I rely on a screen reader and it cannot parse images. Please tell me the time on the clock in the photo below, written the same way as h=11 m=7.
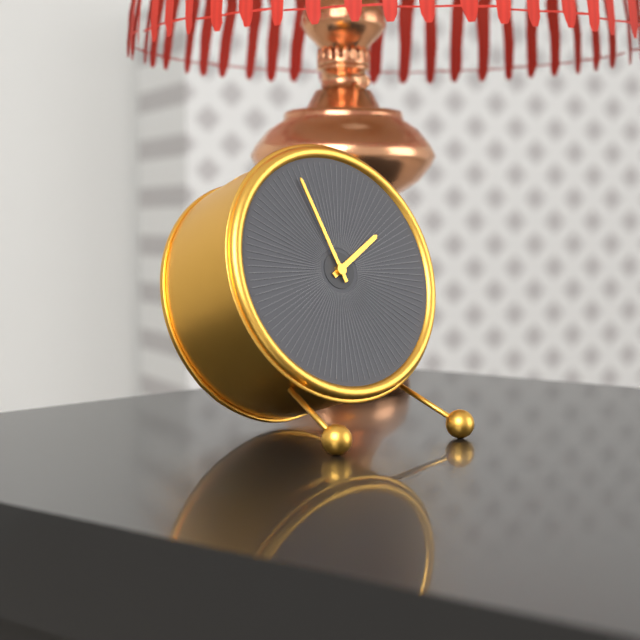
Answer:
h=1 m=57
